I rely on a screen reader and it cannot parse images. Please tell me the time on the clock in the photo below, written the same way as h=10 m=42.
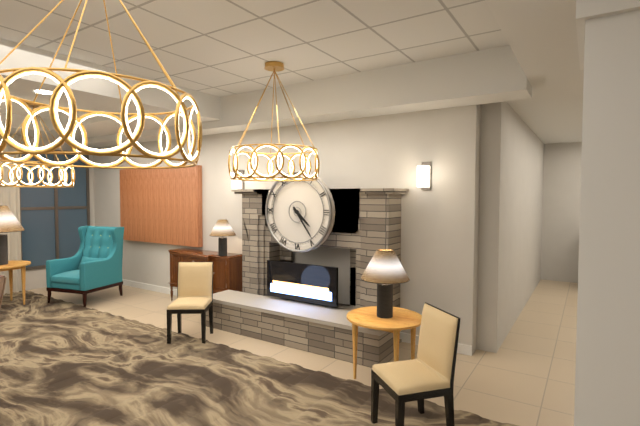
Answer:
h=4 m=24
